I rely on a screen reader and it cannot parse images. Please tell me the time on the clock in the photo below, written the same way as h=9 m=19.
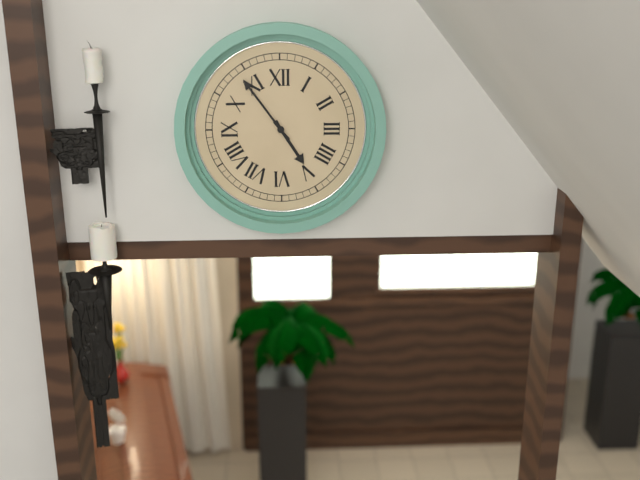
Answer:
h=4 m=54
